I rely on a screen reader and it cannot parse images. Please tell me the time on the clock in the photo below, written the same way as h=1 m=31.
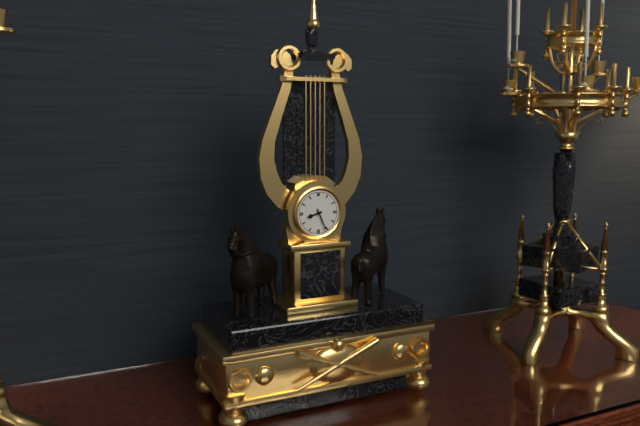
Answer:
h=8 m=26
